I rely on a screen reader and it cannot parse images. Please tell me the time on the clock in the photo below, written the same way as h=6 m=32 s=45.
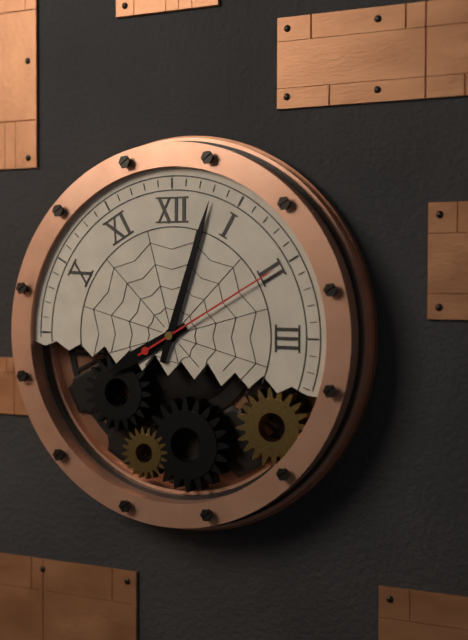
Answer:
h=8 m=3 s=10
